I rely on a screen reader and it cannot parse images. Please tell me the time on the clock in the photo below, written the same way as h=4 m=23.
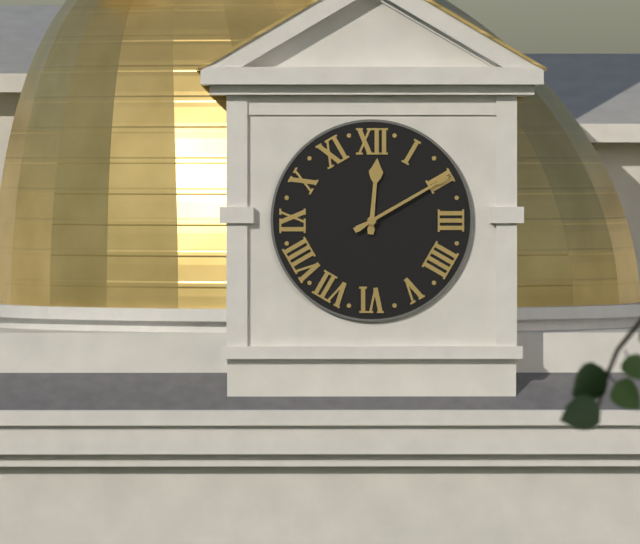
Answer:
h=12 m=10
